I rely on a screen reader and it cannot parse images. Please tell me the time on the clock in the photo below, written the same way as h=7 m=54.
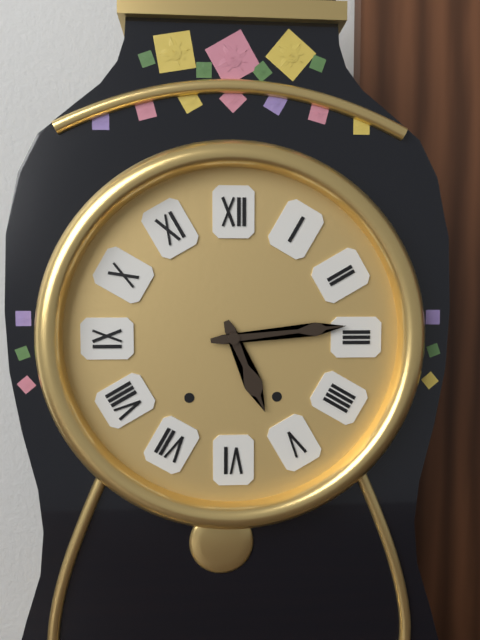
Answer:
h=5 m=14
